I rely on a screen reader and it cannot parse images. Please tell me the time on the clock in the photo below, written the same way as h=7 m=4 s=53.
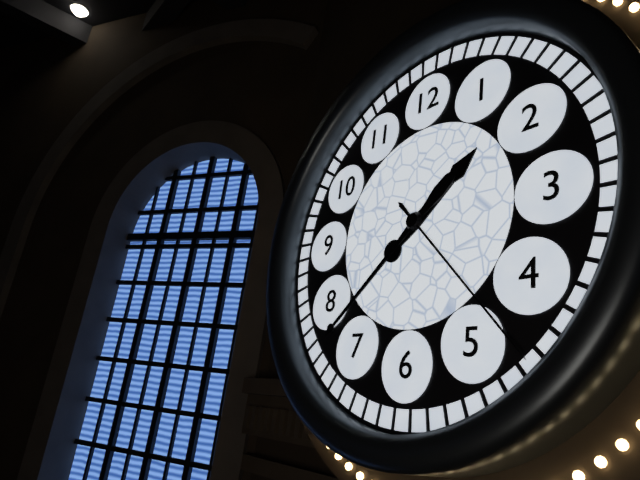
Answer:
h=1 m=38 s=23
